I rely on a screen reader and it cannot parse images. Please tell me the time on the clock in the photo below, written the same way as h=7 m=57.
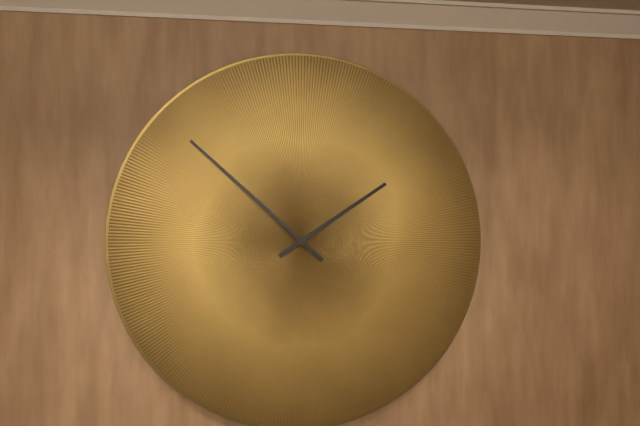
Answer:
h=1 m=52
